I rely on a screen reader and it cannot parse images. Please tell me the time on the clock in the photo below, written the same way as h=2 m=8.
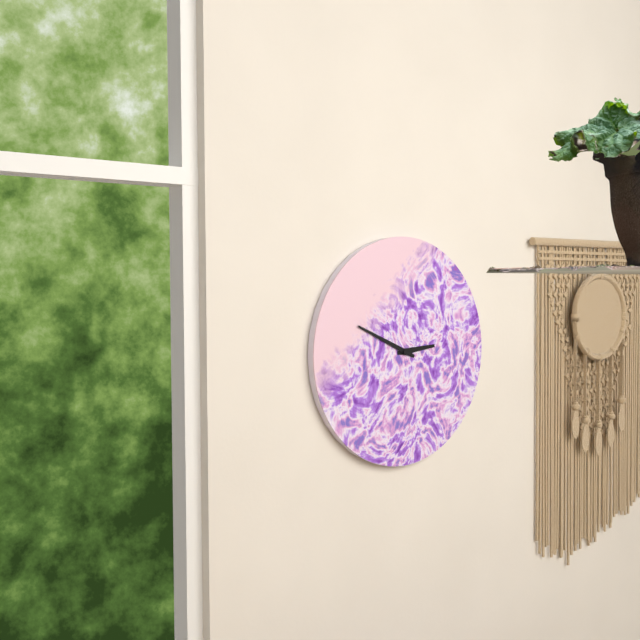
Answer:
h=2 m=49
